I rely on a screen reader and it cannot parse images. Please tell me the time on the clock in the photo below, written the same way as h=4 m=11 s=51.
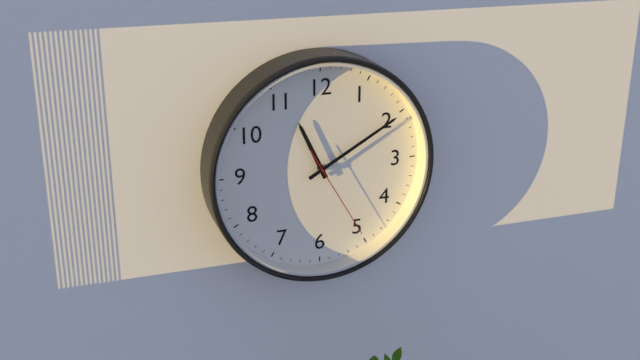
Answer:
h=11 m=10 s=25
